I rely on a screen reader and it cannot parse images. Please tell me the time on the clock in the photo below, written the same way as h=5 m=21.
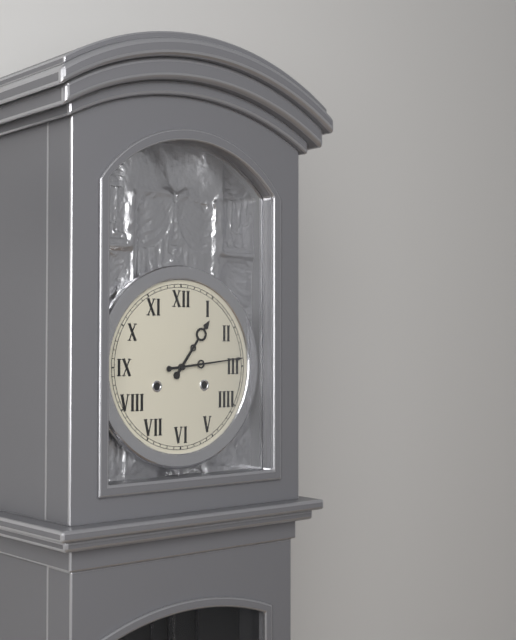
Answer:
h=1 m=14
